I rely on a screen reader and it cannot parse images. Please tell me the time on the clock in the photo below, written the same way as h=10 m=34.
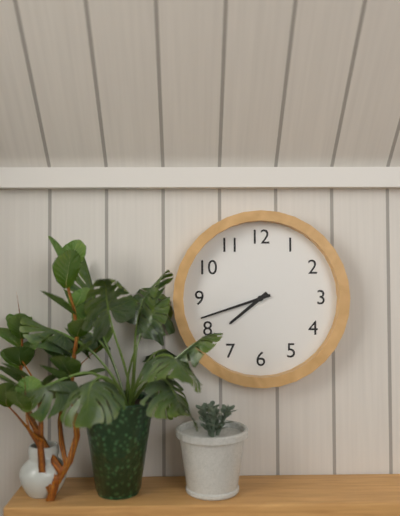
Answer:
h=7 m=42
